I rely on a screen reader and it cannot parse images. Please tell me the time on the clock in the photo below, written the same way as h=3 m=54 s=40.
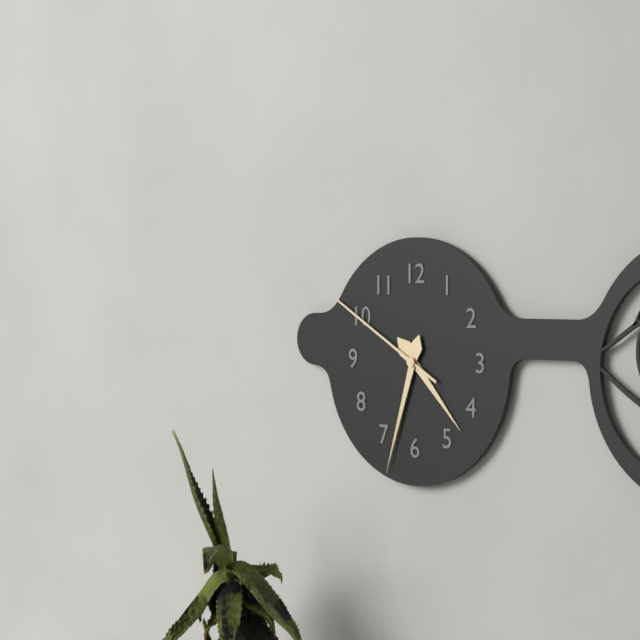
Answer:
h=4 m=33 s=50
